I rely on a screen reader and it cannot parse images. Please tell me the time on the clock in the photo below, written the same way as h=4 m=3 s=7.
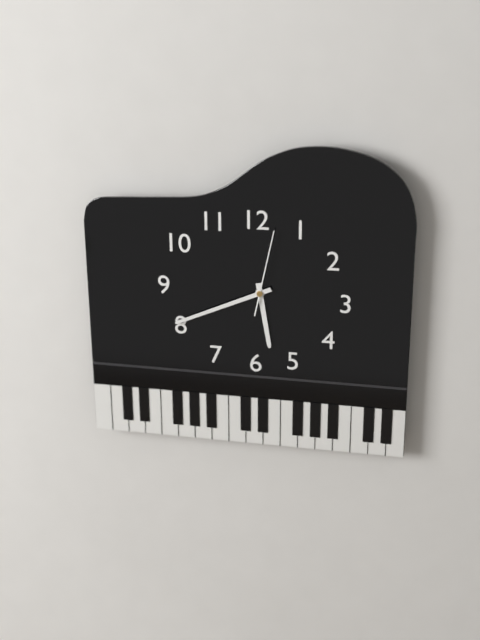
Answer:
h=5 m=41 s=2
